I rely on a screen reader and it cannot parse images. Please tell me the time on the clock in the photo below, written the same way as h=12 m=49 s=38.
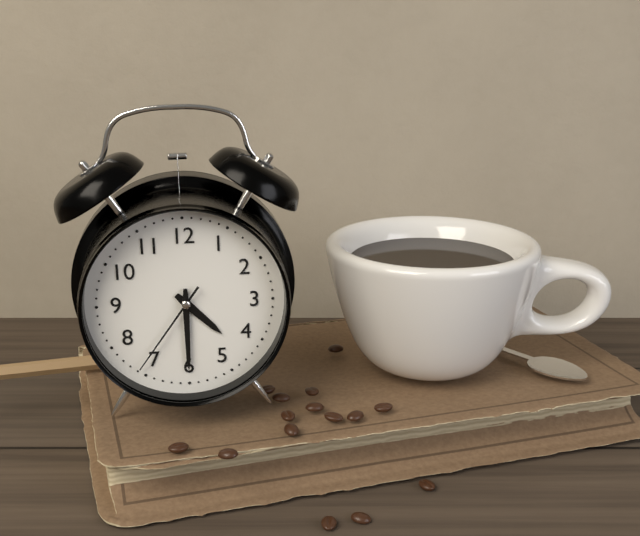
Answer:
h=4 m=30 s=36
